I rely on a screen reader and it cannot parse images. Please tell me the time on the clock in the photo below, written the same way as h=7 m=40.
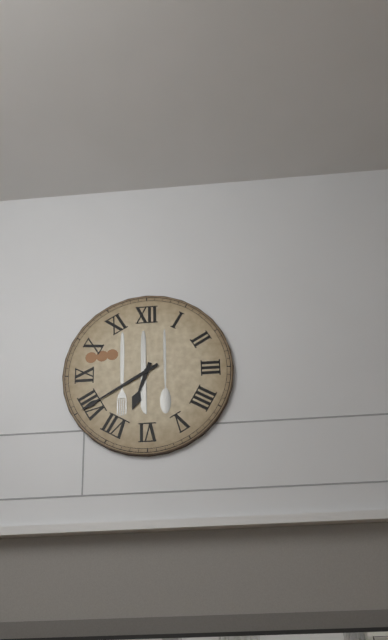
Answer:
h=6 m=40
